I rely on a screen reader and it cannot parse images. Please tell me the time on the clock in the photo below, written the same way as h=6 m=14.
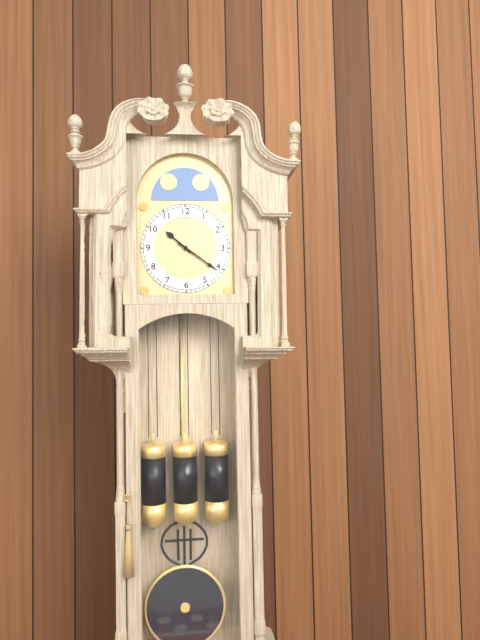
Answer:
h=10 m=21
